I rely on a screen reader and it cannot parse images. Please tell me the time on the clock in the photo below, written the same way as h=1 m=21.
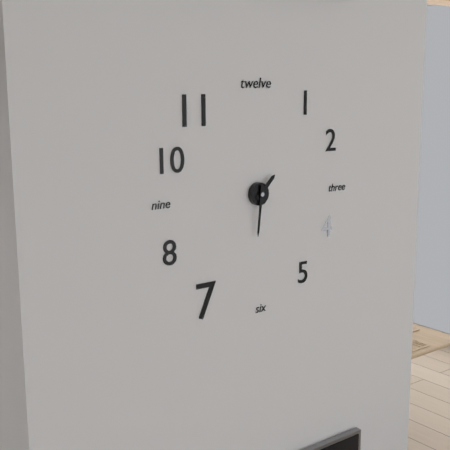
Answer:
h=1 m=31
